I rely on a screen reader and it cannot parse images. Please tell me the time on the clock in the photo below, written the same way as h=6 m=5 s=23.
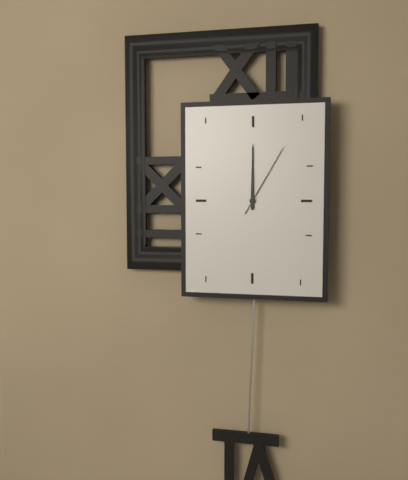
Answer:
h=12 m=0 s=5
